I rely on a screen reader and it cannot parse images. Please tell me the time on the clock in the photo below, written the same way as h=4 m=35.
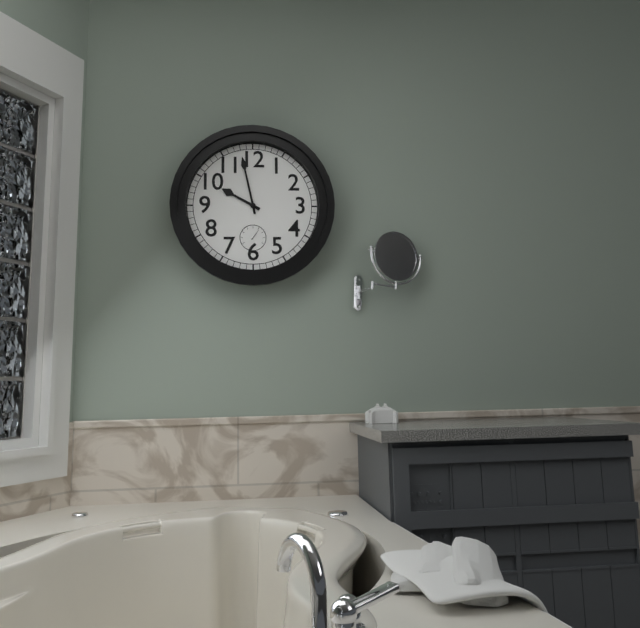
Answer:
h=9 m=58
